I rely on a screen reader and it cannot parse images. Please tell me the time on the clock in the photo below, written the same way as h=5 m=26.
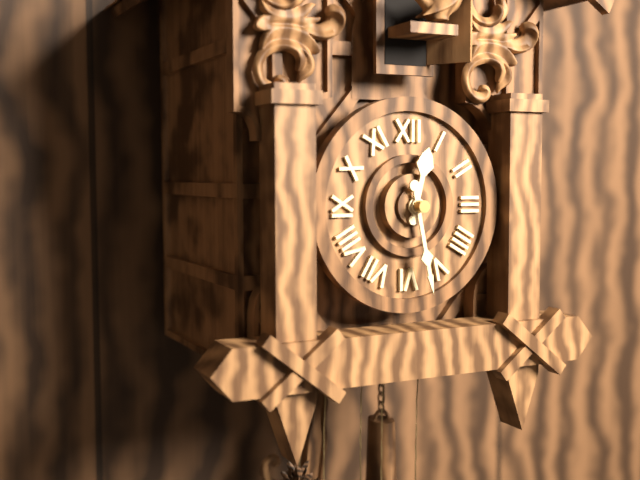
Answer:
h=12 m=28
